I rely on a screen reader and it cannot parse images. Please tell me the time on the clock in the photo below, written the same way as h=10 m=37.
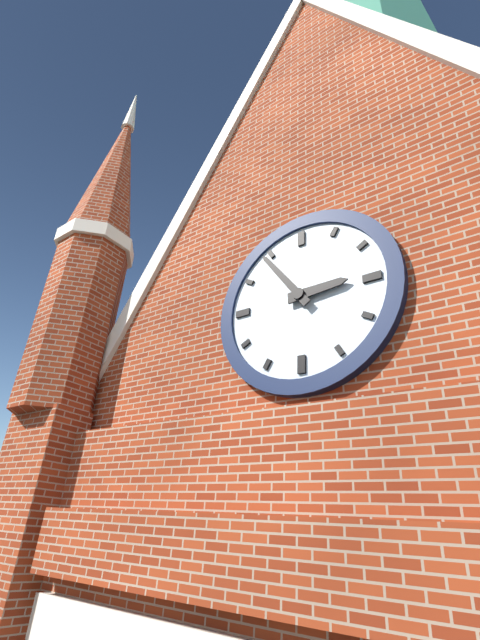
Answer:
h=2 m=54
